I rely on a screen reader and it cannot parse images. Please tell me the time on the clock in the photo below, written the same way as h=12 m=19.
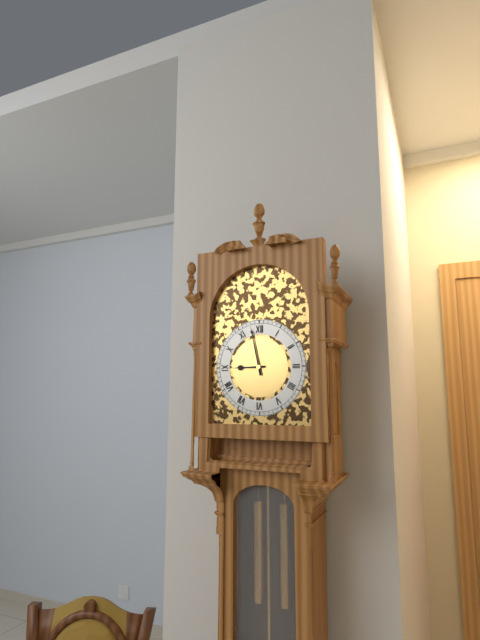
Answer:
h=8 m=58
